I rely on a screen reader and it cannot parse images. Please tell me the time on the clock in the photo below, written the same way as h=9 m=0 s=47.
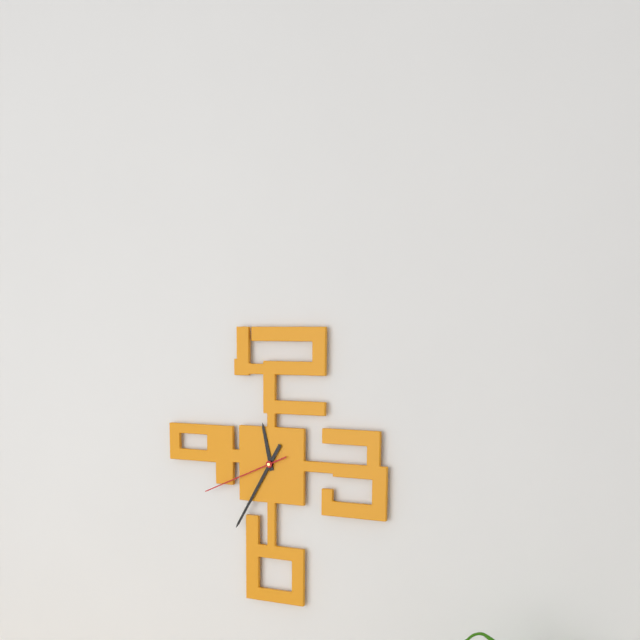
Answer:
h=11 m=35 s=41
